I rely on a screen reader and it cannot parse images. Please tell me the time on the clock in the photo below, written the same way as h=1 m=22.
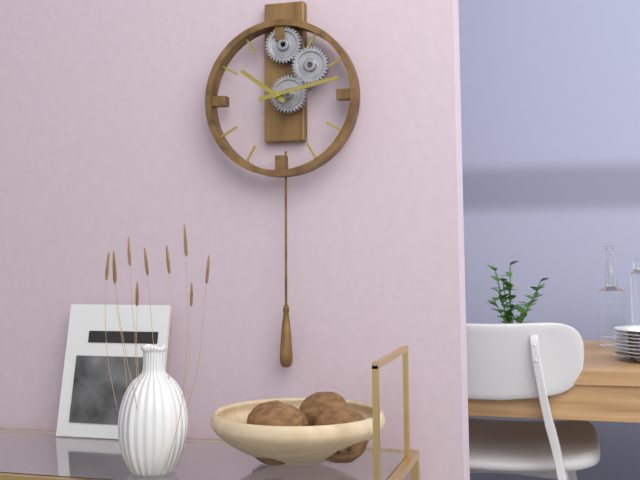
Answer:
h=10 m=13
